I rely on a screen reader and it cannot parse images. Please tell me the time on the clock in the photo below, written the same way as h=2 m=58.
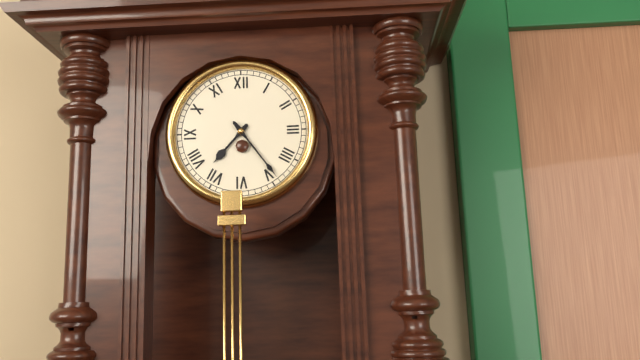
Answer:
h=7 m=24
